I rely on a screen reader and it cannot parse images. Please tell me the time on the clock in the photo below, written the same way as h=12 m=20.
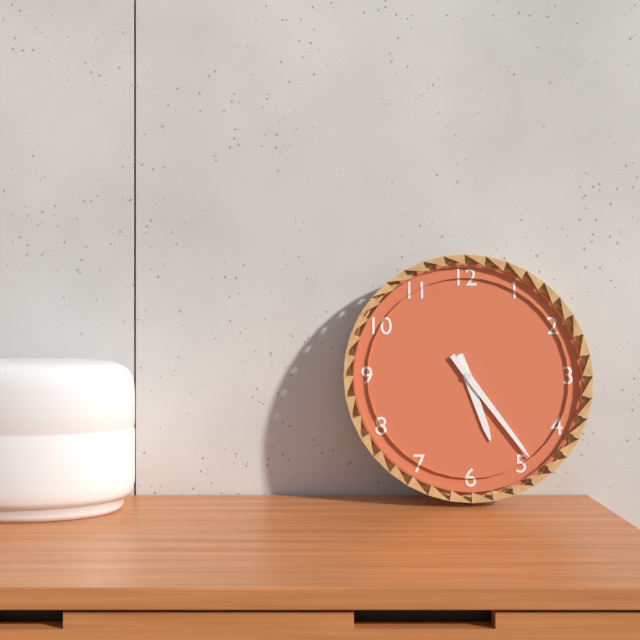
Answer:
h=5 m=24
